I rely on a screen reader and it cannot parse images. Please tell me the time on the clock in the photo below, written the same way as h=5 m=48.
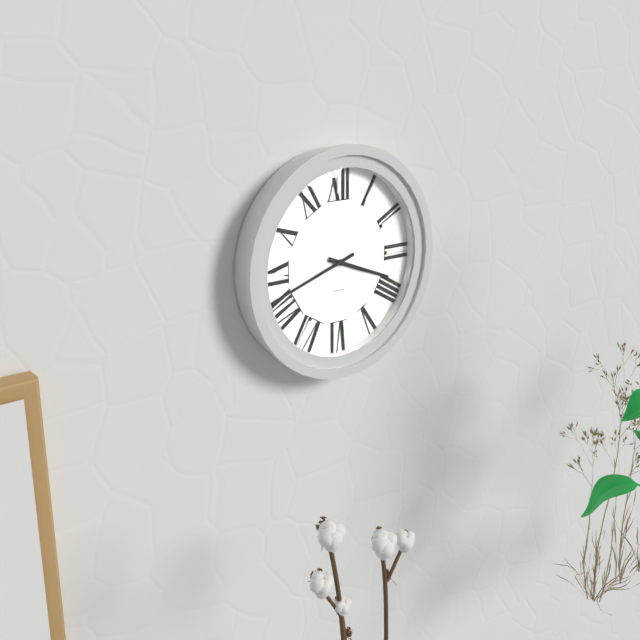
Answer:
h=3 m=42
